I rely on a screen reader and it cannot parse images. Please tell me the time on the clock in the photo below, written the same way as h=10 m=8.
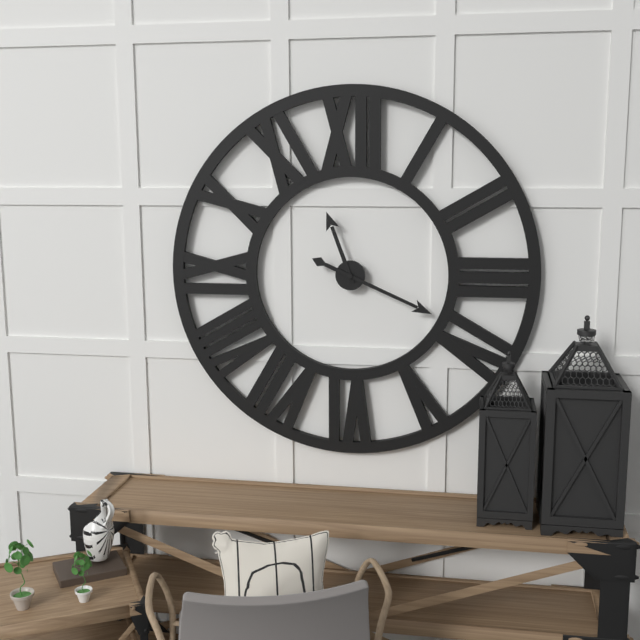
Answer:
h=11 m=19
